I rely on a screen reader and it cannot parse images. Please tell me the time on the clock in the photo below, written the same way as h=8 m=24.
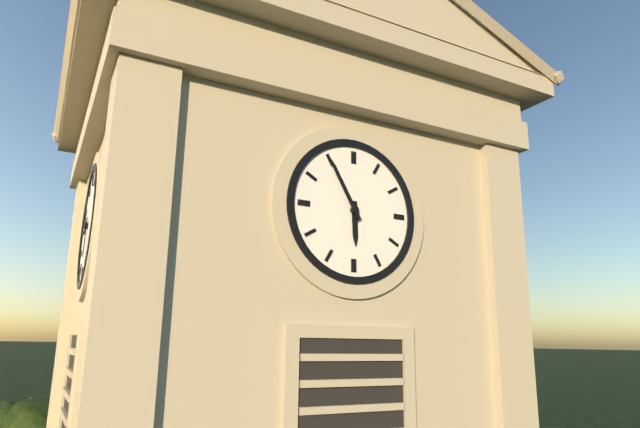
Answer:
h=5 m=55
